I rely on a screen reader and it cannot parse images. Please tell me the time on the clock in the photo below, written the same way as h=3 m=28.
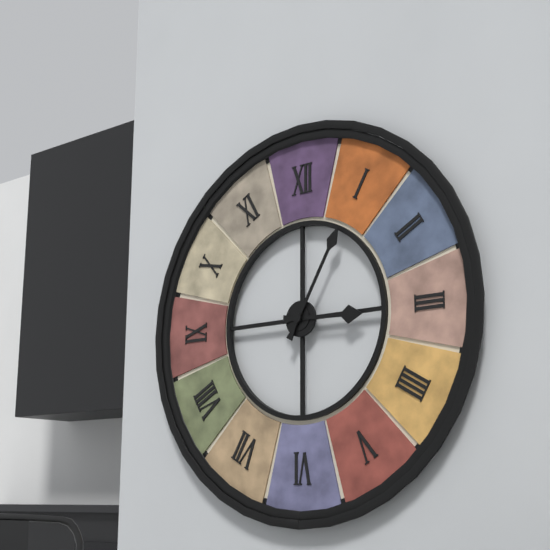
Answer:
h=3 m=5
